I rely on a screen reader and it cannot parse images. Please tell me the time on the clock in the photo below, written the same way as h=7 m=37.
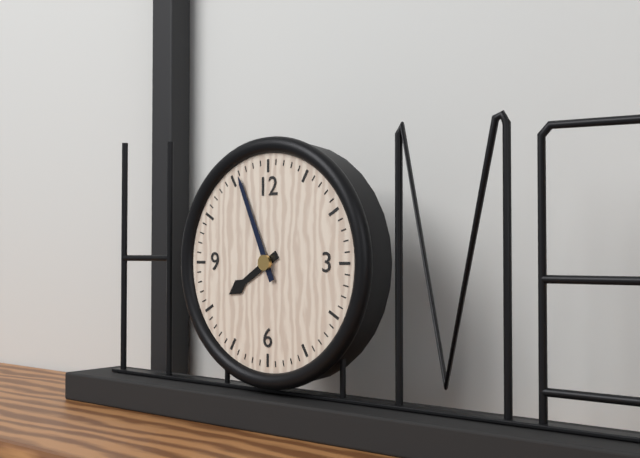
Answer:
h=7 m=56
